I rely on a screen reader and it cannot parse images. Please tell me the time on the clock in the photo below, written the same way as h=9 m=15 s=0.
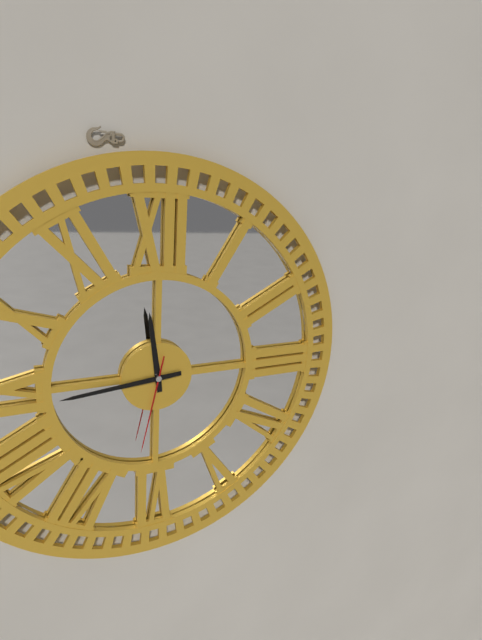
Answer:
h=11 m=44 s=32
